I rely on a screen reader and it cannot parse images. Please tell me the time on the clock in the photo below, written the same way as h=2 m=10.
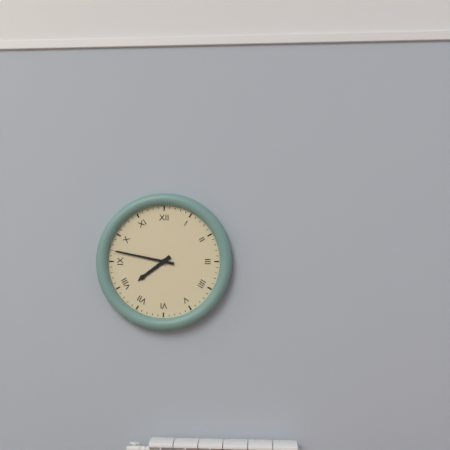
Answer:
h=7 m=47
